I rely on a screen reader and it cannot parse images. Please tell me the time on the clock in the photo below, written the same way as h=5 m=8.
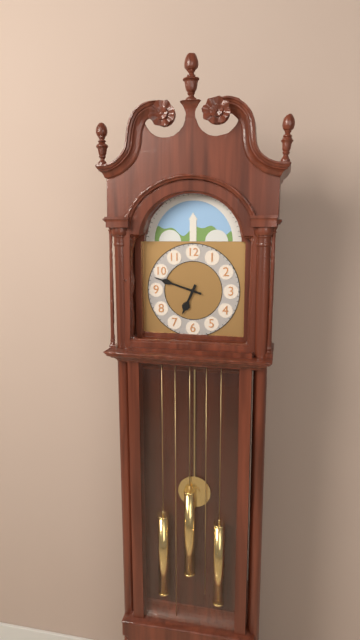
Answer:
h=6 m=48
